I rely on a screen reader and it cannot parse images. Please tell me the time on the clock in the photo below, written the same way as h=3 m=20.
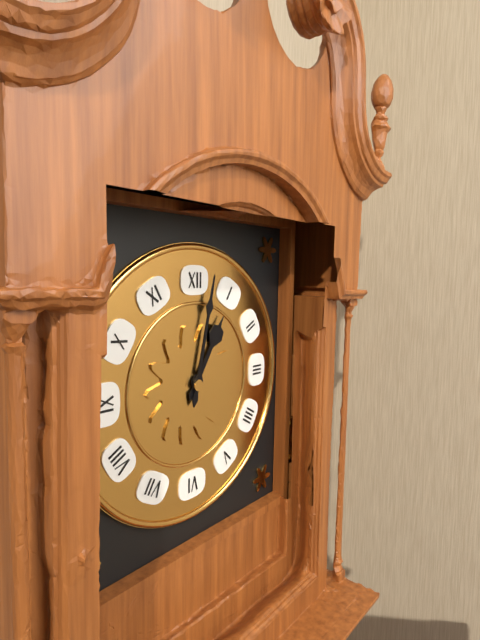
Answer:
h=1 m=2
